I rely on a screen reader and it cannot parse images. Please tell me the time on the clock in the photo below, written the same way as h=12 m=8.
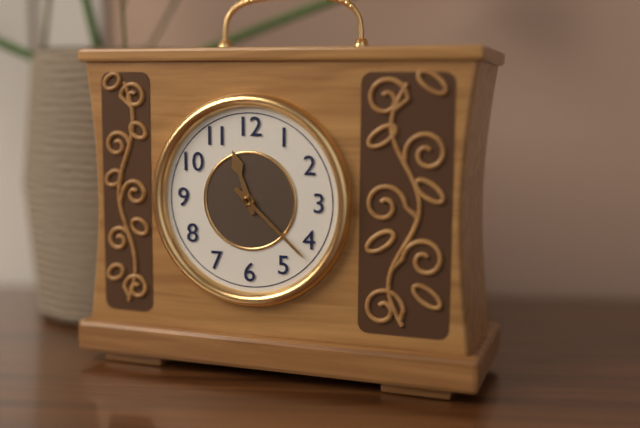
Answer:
h=11 m=22
